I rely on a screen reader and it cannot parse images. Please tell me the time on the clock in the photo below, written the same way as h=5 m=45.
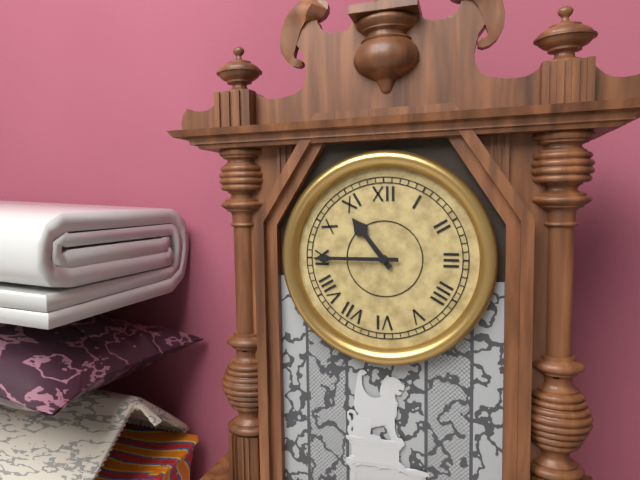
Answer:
h=10 m=45
